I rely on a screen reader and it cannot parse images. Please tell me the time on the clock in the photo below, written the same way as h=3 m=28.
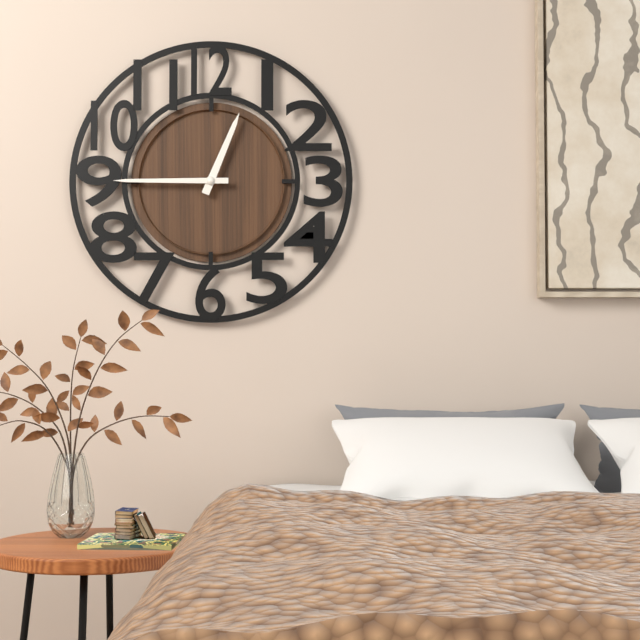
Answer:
h=12 m=45
